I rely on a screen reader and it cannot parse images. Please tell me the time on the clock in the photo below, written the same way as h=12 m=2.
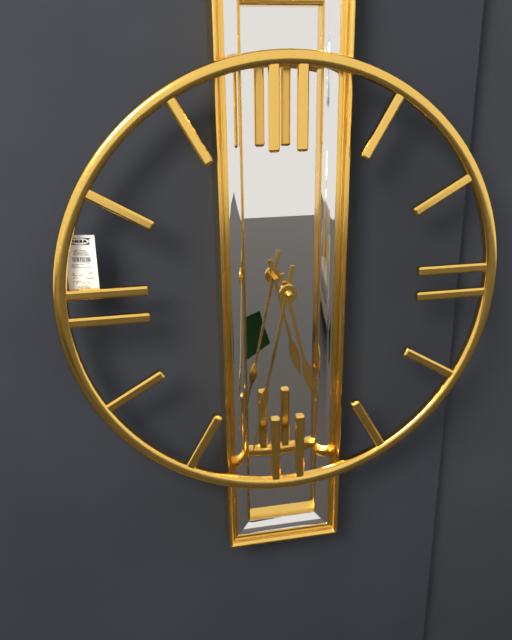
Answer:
h=5 m=32
